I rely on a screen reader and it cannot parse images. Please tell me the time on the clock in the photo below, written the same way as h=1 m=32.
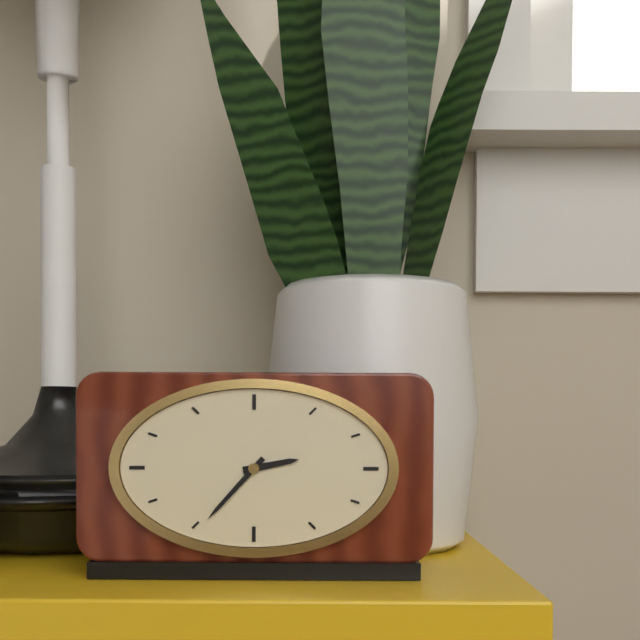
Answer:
h=2 m=37
